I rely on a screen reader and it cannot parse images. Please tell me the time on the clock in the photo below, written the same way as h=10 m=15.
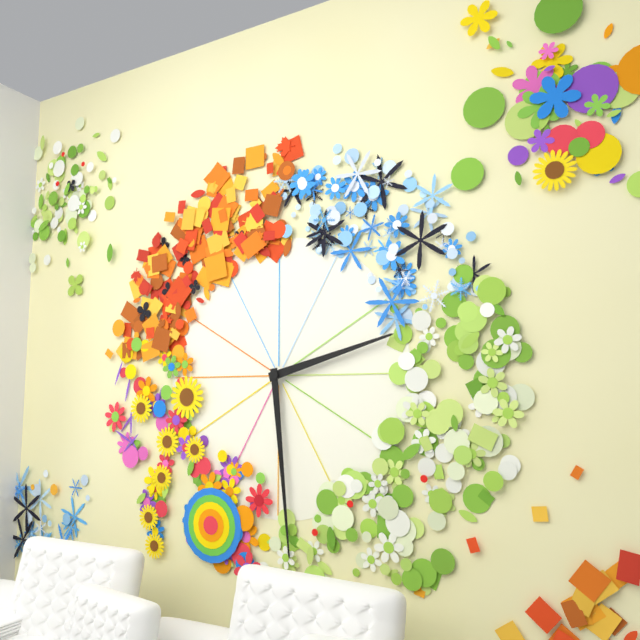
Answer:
h=2 m=29
